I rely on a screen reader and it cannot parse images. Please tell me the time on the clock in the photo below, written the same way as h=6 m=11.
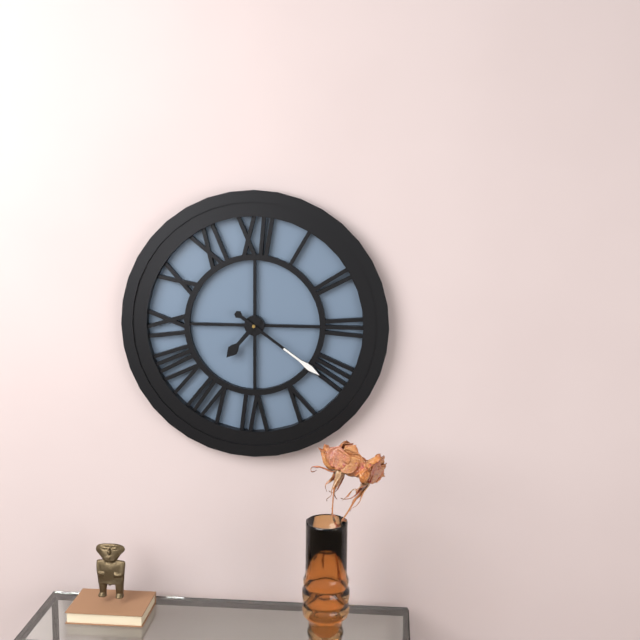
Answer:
h=7 m=21
